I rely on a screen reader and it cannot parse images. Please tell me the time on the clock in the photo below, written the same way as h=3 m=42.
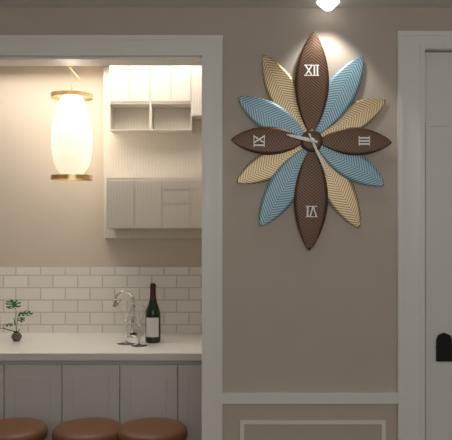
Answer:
h=9 m=26
